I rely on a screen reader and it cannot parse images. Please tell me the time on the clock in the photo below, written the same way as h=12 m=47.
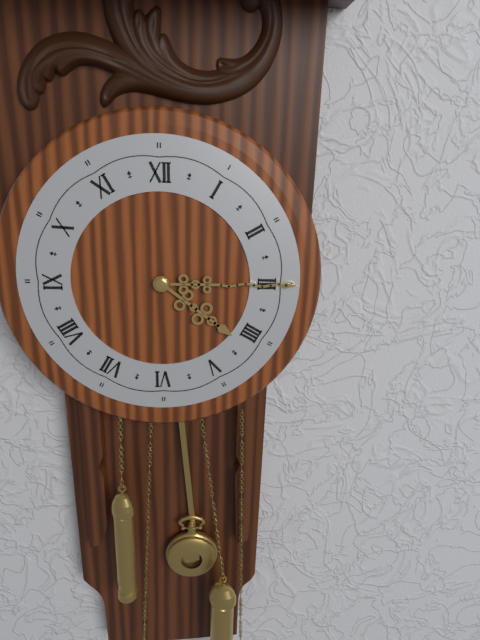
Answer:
h=4 m=15
